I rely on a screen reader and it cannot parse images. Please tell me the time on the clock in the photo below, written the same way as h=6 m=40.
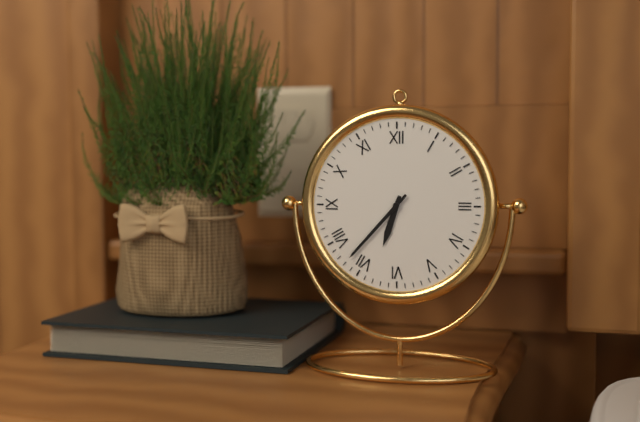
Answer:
h=6 m=37
